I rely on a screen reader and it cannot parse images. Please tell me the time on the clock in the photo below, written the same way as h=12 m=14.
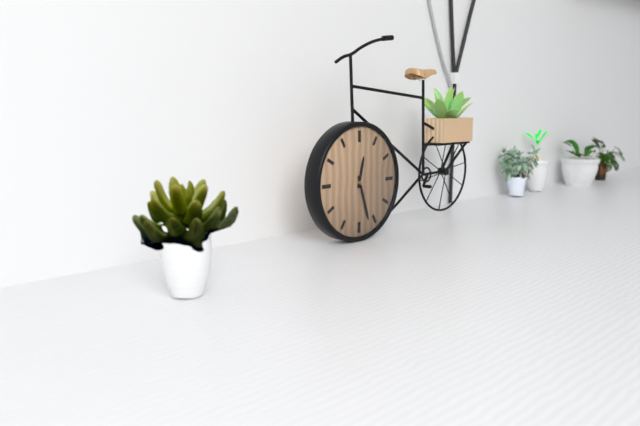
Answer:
h=12 m=27
